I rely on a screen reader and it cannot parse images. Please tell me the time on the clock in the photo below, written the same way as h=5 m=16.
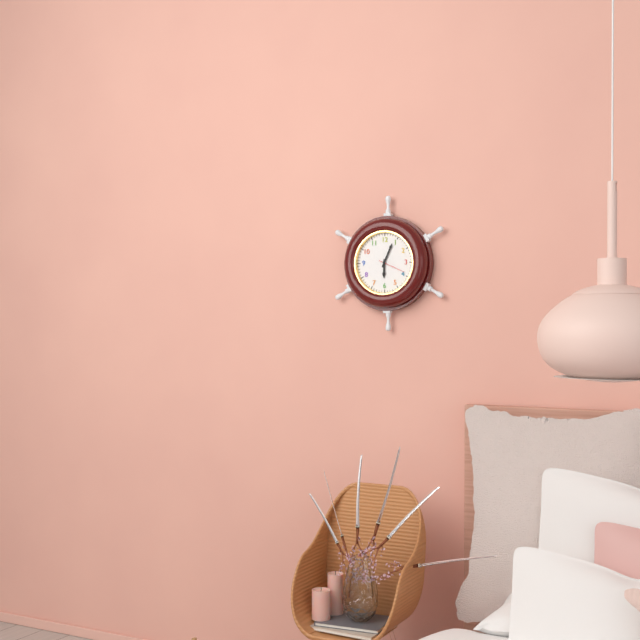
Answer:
h=6 m=4
